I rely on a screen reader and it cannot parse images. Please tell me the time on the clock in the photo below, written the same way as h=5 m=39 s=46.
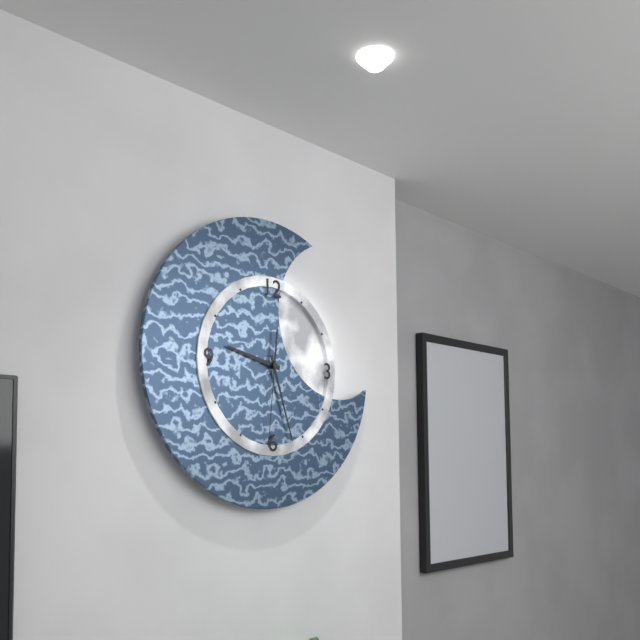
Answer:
h=9 m=27 s=31
